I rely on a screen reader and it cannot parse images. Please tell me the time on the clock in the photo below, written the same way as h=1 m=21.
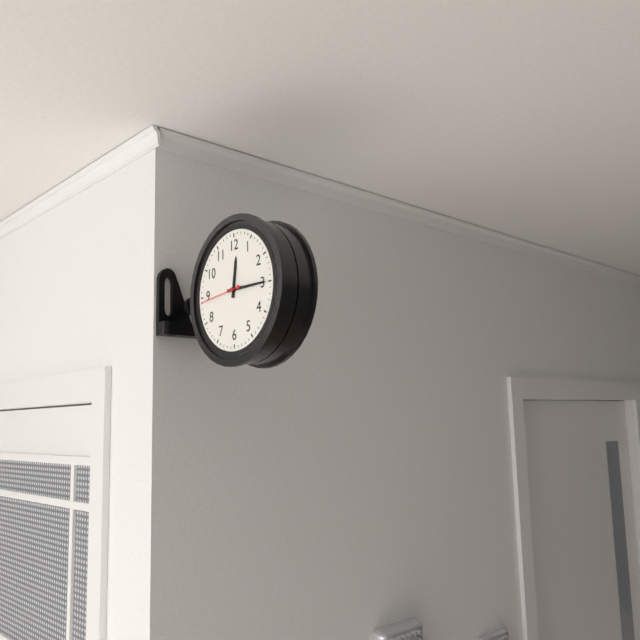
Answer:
h=12 m=15
